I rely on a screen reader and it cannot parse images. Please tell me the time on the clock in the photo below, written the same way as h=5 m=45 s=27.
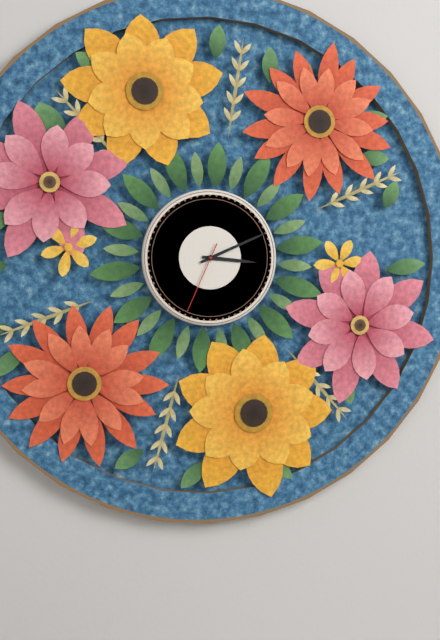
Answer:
h=3 m=11 s=34
